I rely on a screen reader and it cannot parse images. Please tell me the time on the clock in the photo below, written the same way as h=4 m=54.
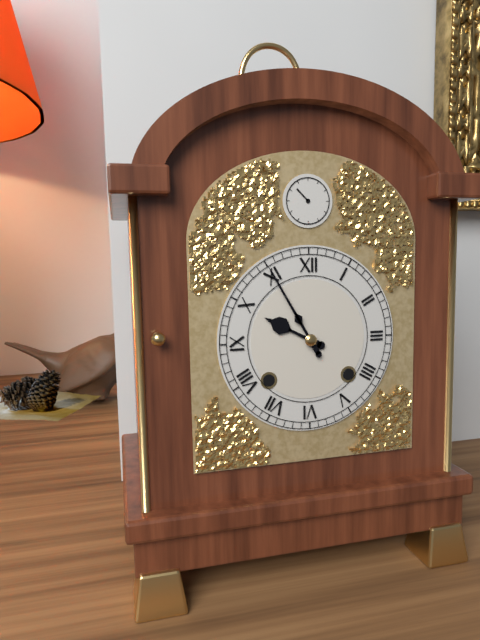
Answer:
h=9 m=55
